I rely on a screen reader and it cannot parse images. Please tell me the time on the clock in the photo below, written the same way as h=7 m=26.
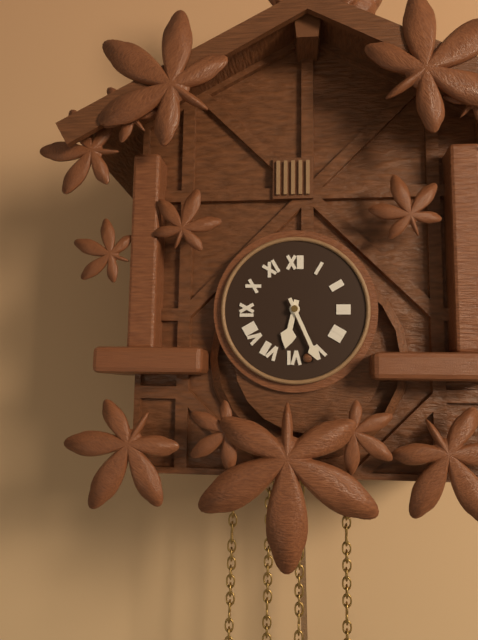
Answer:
h=6 m=26
